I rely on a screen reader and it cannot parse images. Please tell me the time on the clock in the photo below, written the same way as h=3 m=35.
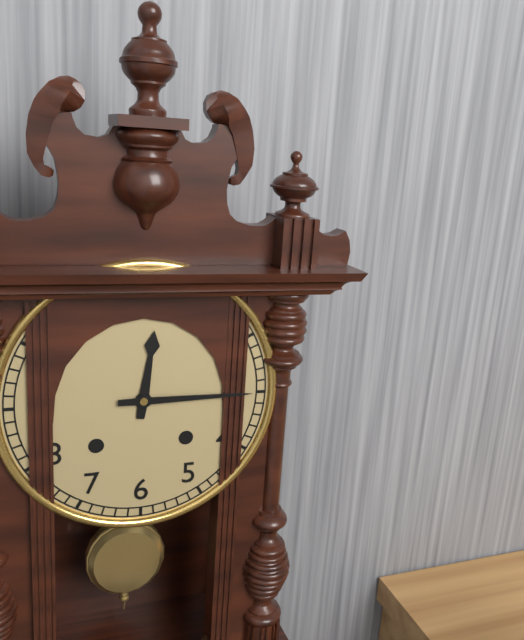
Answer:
h=12 m=15
